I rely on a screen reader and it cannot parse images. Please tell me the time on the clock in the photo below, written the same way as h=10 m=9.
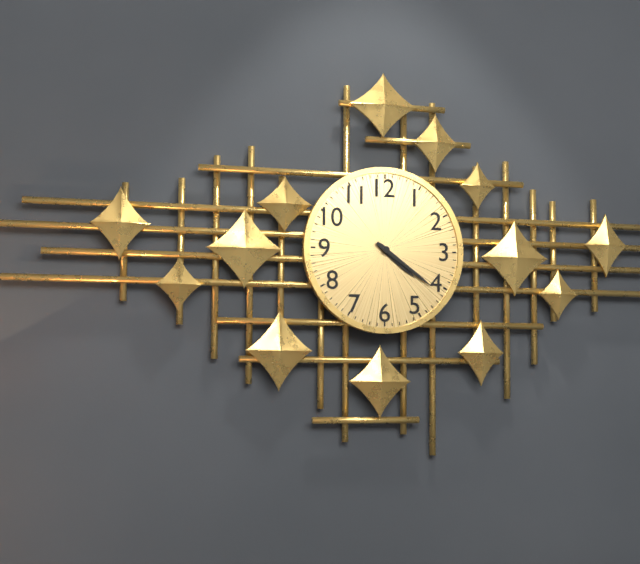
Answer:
h=4 m=21
